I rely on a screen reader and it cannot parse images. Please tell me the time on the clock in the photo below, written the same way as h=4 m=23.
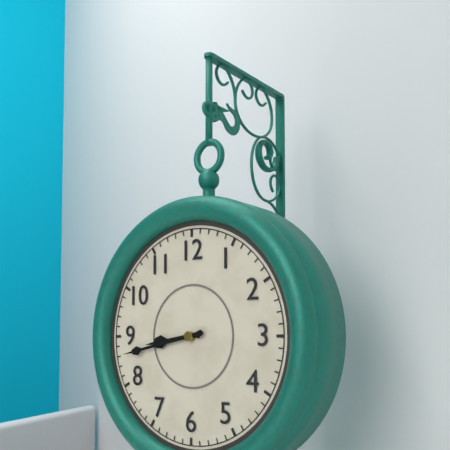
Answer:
h=8 m=43
